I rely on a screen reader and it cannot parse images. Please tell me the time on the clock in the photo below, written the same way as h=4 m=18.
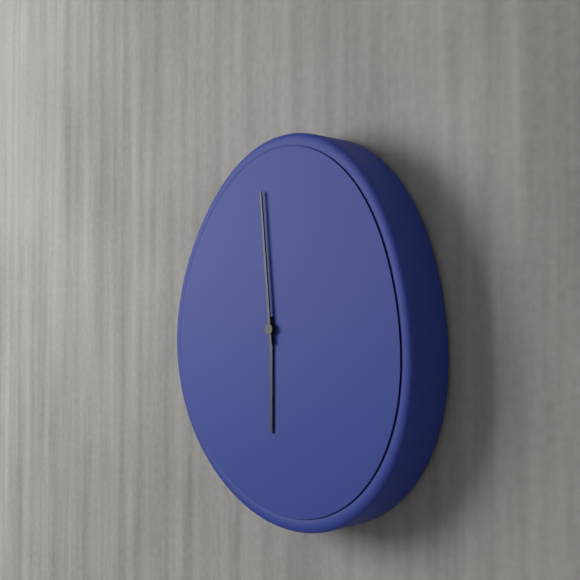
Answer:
h=5 m=59
